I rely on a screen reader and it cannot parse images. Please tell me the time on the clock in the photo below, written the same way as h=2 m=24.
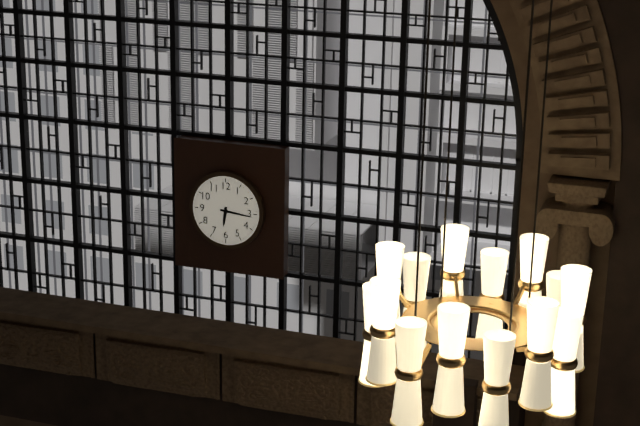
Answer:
h=6 m=16
